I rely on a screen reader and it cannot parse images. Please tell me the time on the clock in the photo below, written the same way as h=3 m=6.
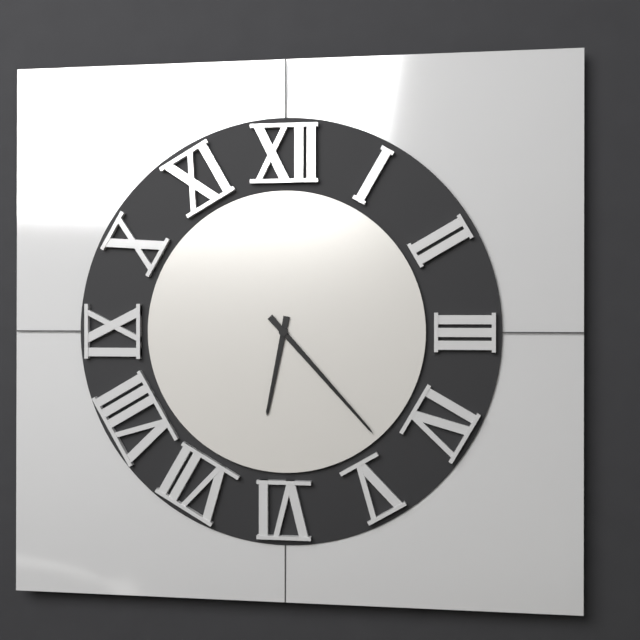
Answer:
h=6 m=23
